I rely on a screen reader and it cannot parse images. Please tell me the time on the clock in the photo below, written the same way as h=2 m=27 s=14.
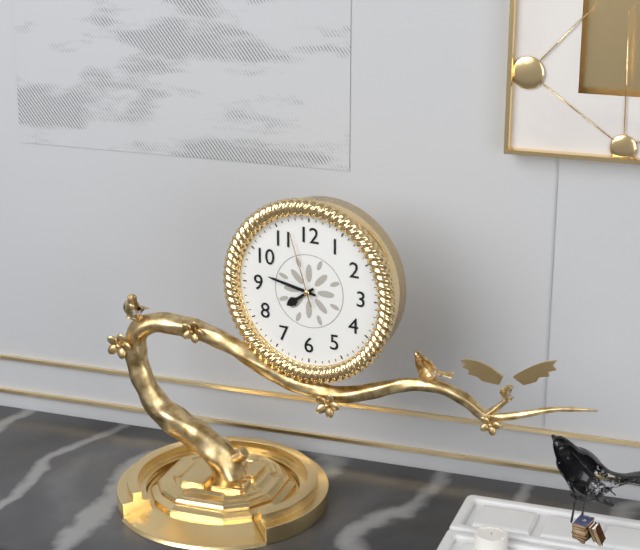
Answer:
h=7 m=47 s=57
